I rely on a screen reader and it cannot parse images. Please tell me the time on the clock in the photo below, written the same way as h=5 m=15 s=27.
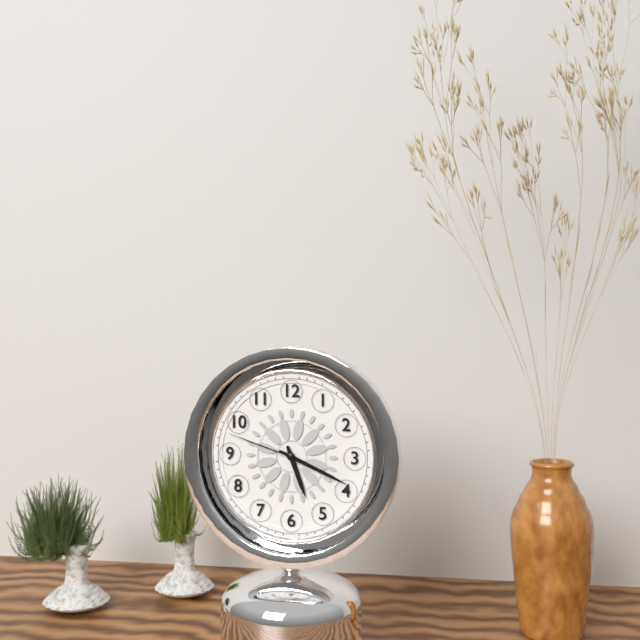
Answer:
h=5 m=19 s=48
